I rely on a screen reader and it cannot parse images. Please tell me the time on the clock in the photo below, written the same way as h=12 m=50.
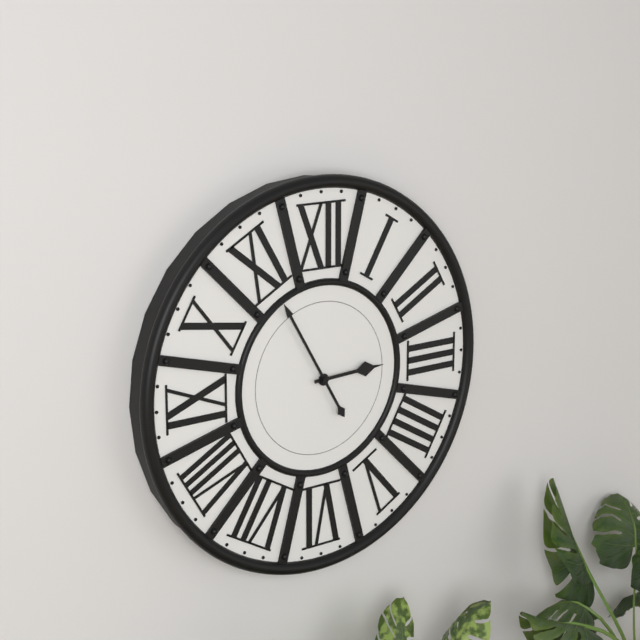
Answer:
h=2 m=55
